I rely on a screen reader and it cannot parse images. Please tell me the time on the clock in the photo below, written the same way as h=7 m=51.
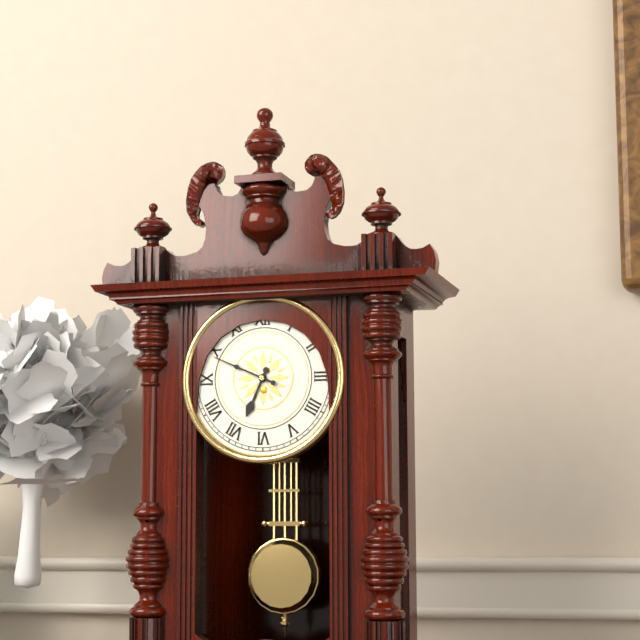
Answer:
h=6 m=49
